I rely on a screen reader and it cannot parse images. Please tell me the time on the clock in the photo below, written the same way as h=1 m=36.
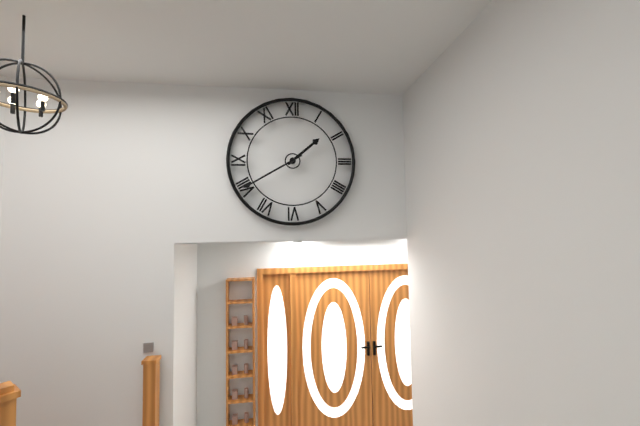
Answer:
h=1 m=40
